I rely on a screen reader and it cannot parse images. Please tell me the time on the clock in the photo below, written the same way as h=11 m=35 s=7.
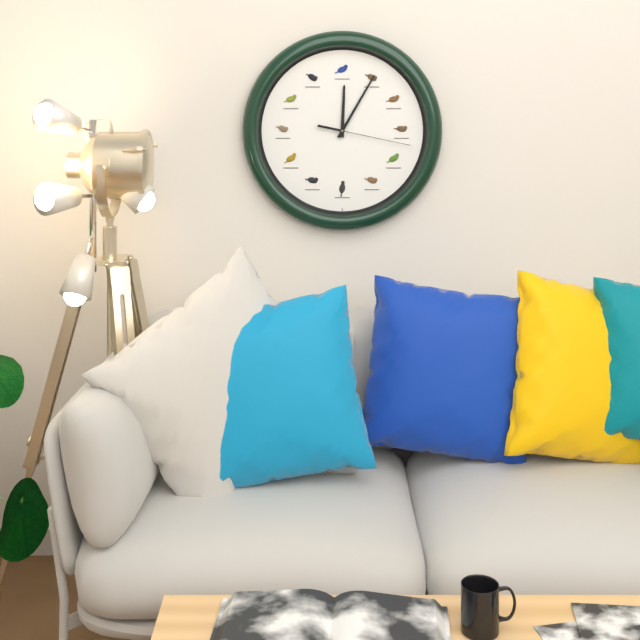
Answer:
h=12 m=5 s=17
